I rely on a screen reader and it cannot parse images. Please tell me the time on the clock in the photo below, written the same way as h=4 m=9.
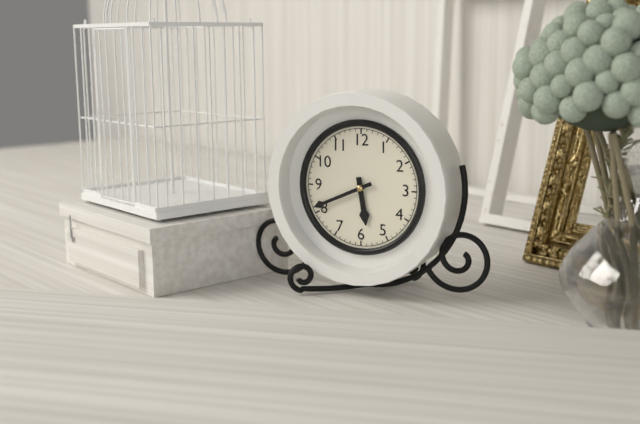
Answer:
h=5 m=41
